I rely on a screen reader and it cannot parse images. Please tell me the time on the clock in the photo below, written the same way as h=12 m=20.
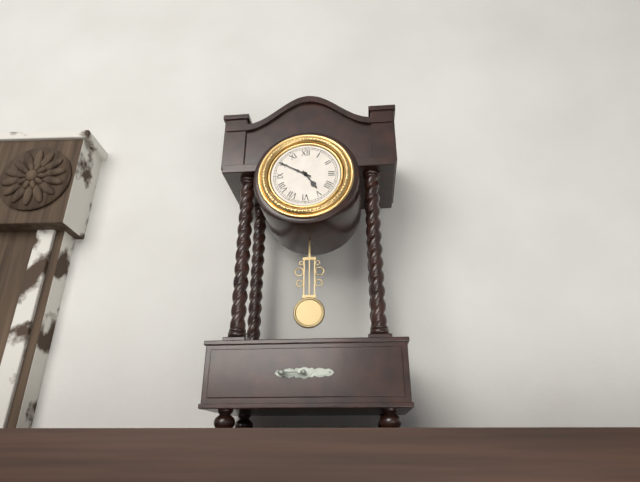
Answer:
h=4 m=50
